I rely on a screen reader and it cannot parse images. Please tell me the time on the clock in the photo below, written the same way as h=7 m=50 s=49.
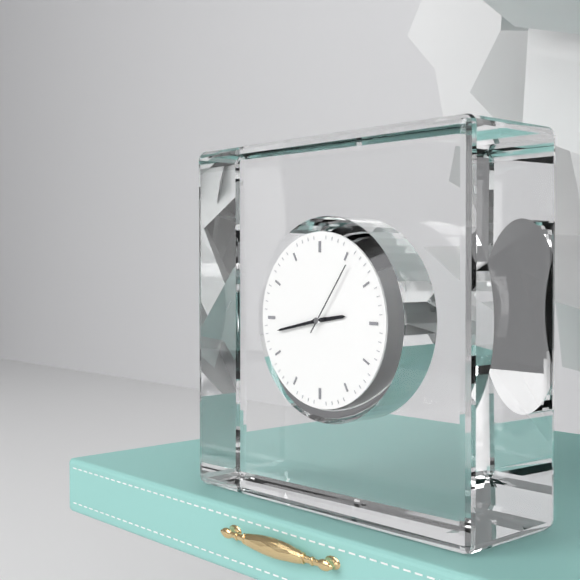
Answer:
h=2 m=43 s=6
